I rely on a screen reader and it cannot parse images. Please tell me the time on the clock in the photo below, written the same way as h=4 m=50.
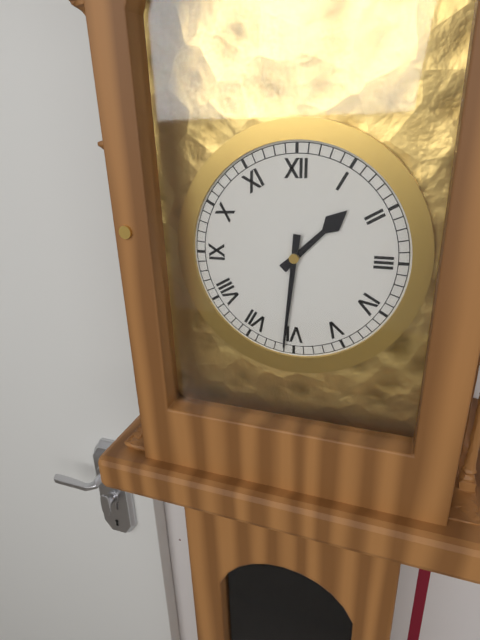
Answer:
h=1 m=31
